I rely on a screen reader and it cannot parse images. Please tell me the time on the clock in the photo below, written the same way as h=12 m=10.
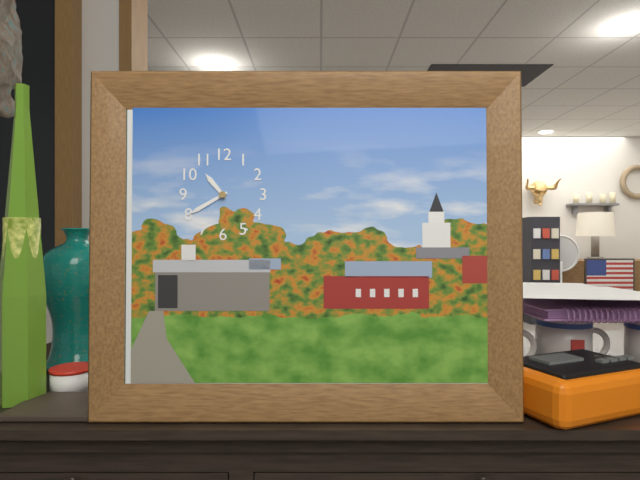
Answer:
h=10 m=40
